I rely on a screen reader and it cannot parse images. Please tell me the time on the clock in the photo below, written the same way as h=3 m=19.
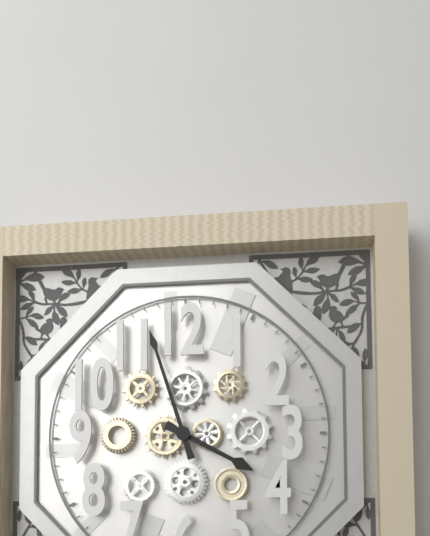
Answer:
h=3 m=57
